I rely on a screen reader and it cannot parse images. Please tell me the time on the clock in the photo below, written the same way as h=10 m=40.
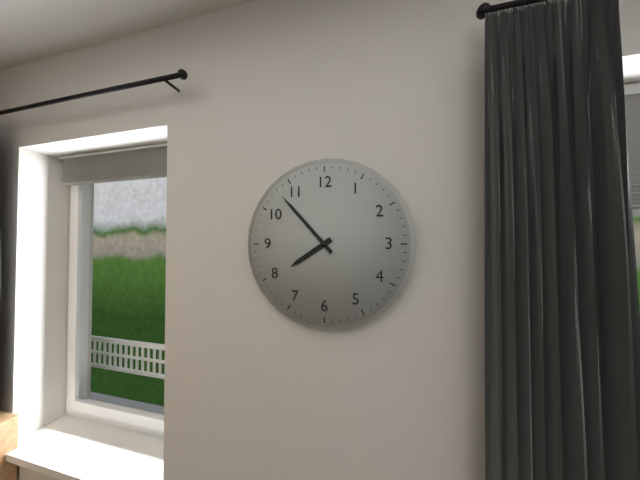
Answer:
h=7 m=53
